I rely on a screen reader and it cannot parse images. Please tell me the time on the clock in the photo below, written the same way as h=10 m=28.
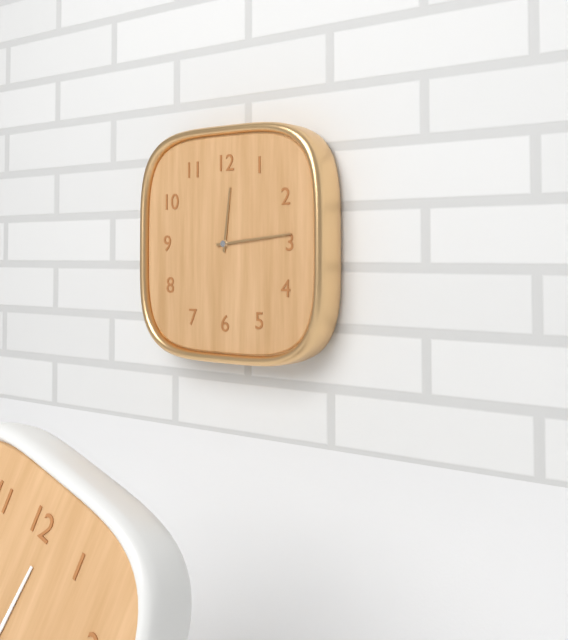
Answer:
h=12 m=14
